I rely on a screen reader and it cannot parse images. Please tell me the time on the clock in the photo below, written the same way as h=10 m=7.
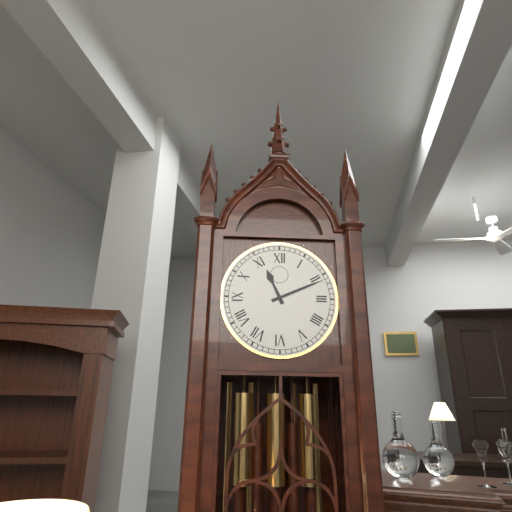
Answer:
h=11 m=11
